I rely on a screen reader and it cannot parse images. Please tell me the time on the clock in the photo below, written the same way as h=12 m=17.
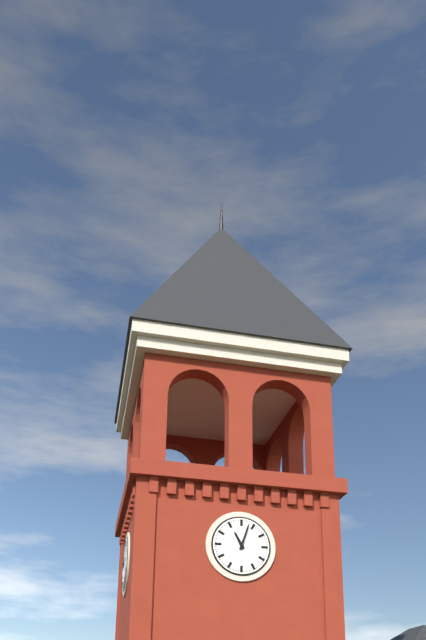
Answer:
h=11 m=3
